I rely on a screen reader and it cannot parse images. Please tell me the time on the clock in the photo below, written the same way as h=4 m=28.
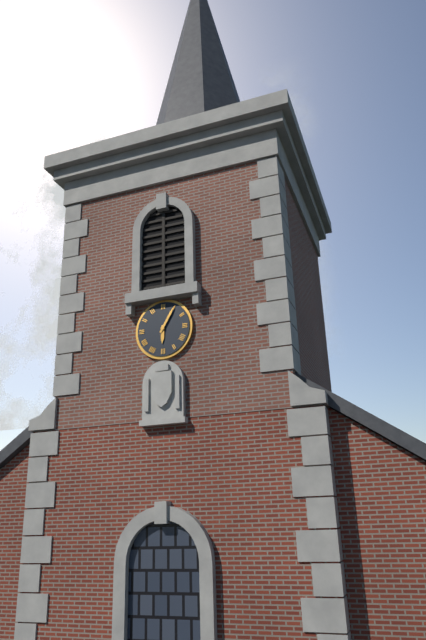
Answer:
h=6 m=5
